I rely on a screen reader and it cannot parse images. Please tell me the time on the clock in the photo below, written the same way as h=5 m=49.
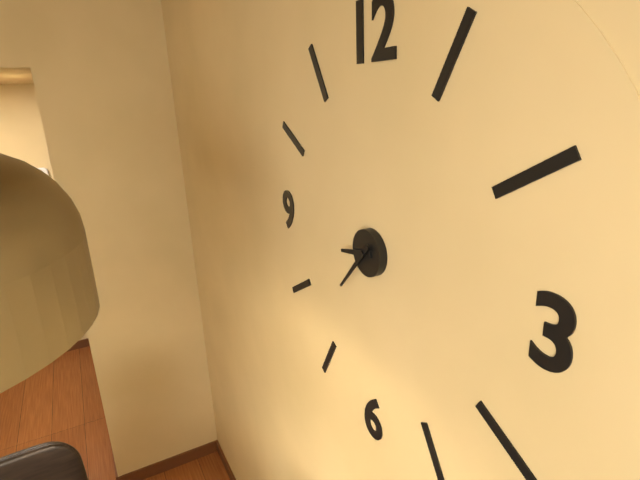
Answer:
h=8 m=37
